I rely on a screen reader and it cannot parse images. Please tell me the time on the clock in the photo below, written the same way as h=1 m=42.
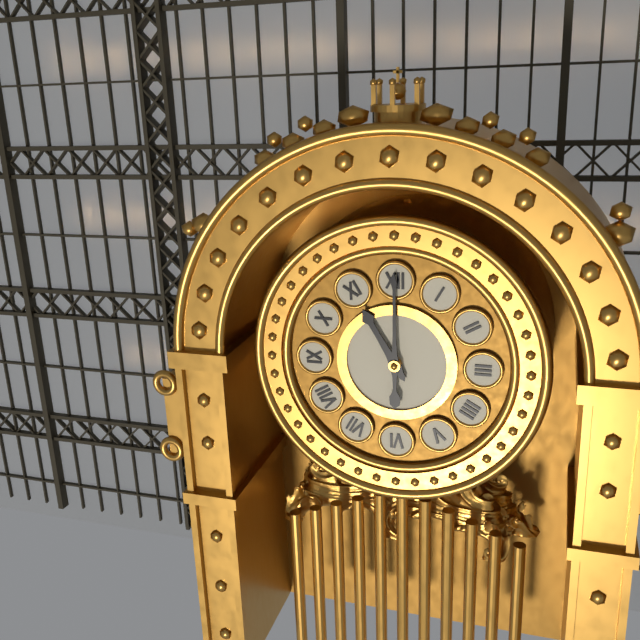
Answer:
h=11 m=0
